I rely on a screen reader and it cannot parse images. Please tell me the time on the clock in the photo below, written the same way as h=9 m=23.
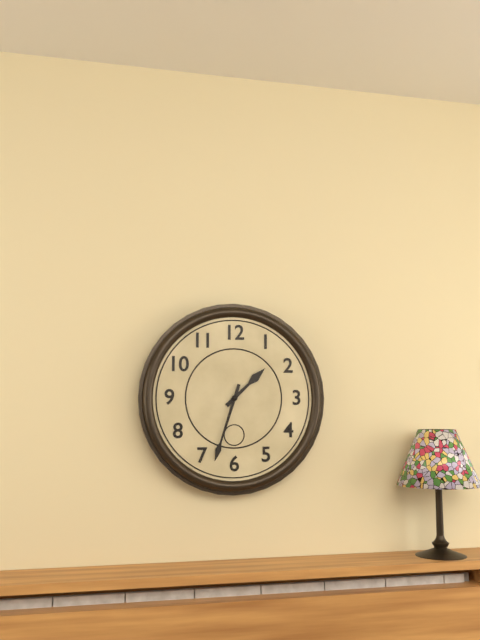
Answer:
h=1 m=33
